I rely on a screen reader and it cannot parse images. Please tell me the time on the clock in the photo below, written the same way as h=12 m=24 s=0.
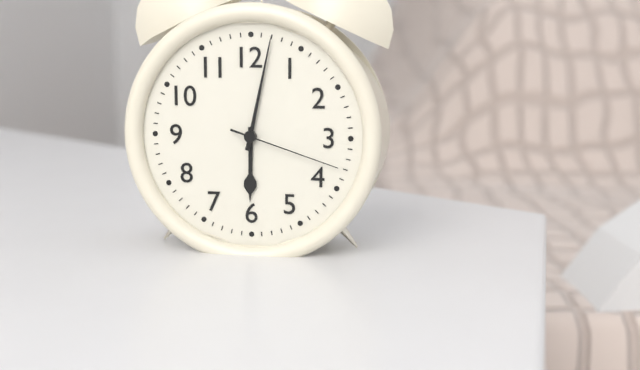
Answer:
h=6 m=2 s=18
